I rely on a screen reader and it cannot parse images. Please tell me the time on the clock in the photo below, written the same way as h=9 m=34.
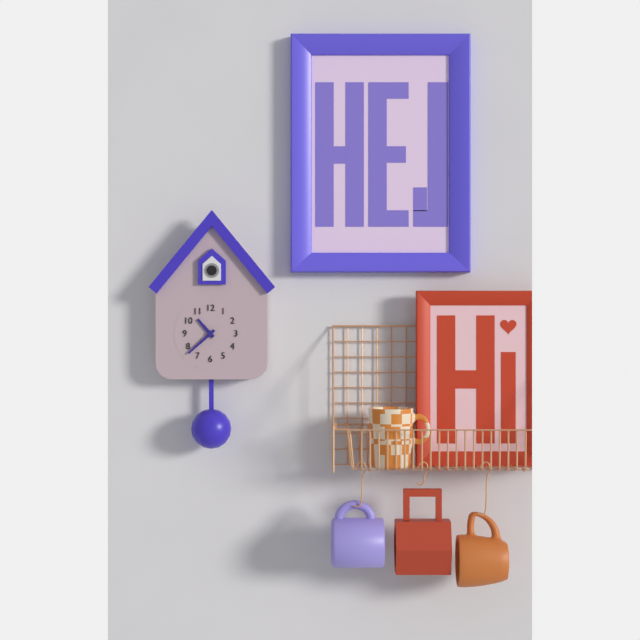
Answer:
h=10 m=38
